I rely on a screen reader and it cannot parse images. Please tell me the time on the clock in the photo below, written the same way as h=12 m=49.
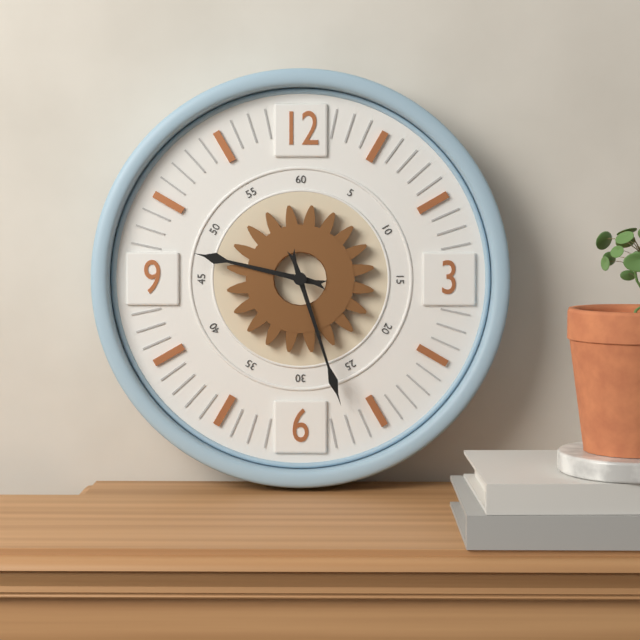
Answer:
h=9 m=27
